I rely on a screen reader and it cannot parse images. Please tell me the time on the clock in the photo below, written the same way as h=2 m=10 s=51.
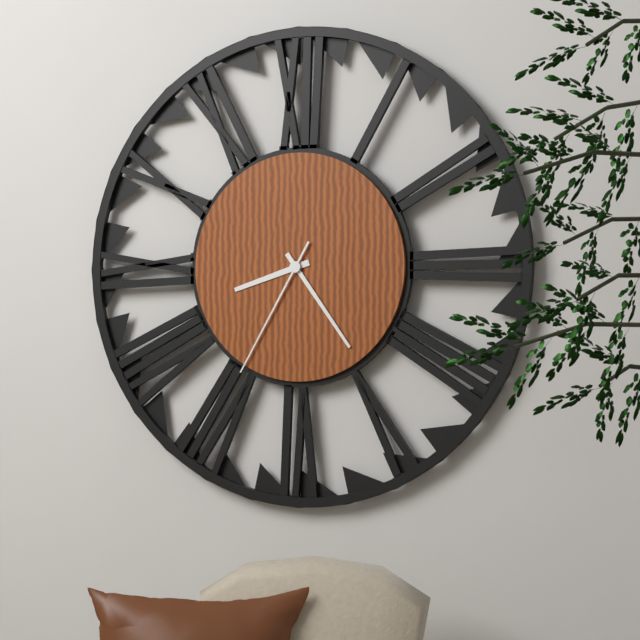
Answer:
h=8 m=24 s=35
